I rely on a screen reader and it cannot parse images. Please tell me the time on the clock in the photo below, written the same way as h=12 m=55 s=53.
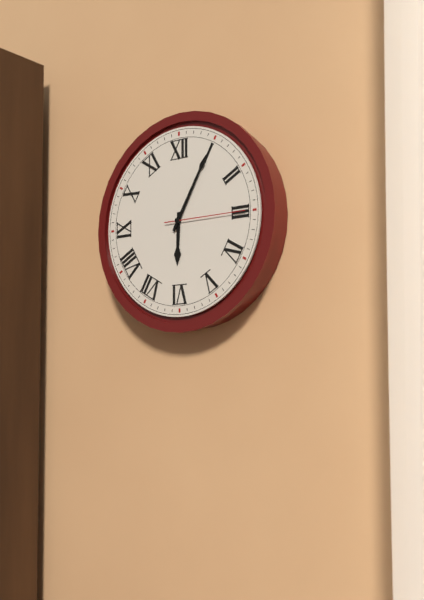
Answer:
h=6 m=5 s=15
